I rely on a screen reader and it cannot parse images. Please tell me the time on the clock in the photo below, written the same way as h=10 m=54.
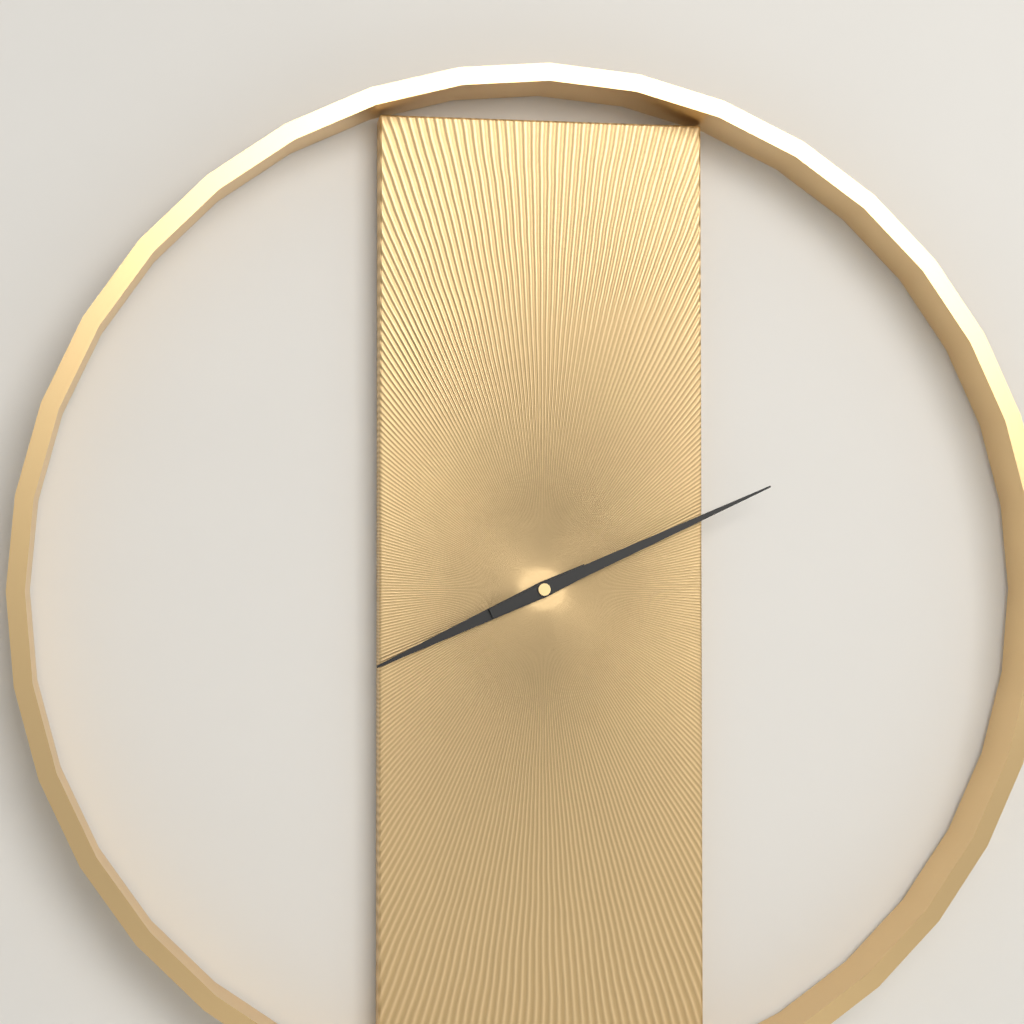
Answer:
h=8 m=11
